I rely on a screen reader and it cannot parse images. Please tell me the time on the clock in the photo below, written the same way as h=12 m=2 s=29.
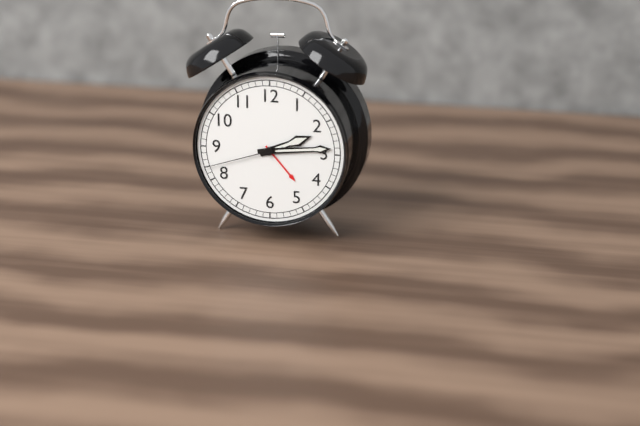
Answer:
h=2 m=14 s=42
